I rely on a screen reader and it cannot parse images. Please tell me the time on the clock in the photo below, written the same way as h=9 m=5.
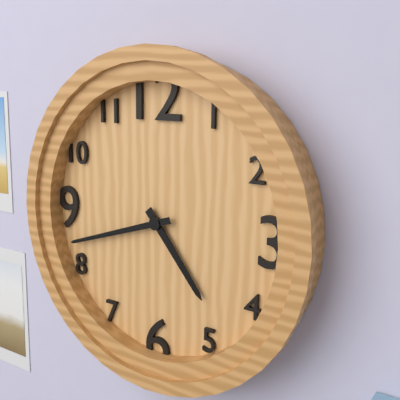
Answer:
h=4 m=42
